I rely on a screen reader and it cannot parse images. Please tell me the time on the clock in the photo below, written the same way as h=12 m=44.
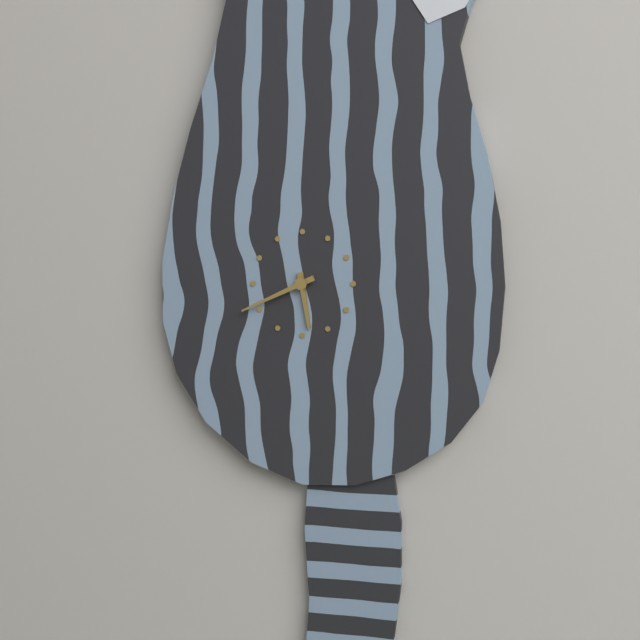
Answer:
h=5 m=41
